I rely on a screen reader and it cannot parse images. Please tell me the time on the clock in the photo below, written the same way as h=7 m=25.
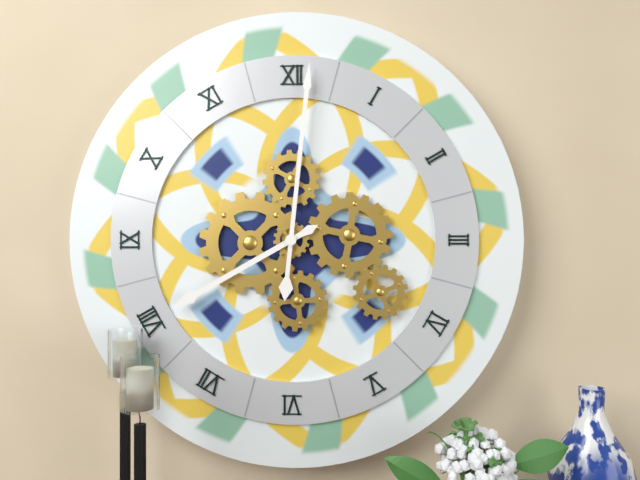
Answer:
h=8 m=1
